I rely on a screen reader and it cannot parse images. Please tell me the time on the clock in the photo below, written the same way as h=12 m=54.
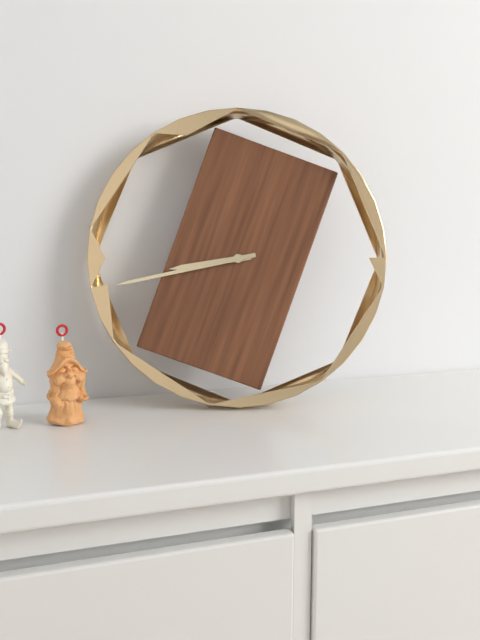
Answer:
h=8 m=43
